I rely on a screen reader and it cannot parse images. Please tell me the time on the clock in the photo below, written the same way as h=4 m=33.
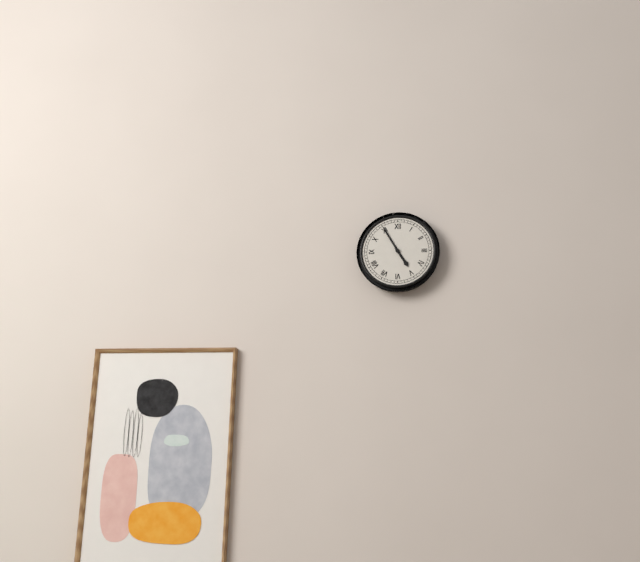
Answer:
h=4 m=55
